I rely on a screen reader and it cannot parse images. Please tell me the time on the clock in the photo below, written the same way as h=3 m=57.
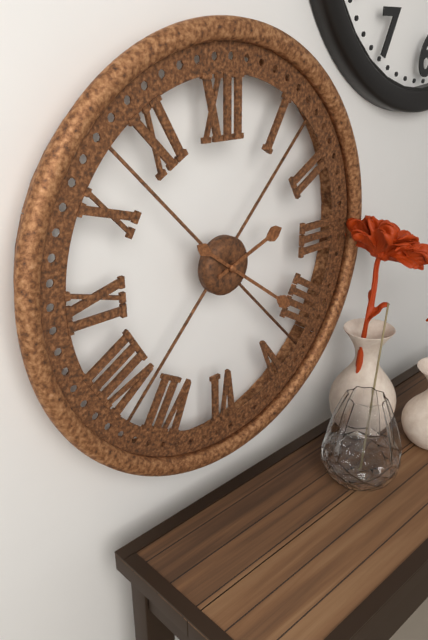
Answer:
h=2 m=21
